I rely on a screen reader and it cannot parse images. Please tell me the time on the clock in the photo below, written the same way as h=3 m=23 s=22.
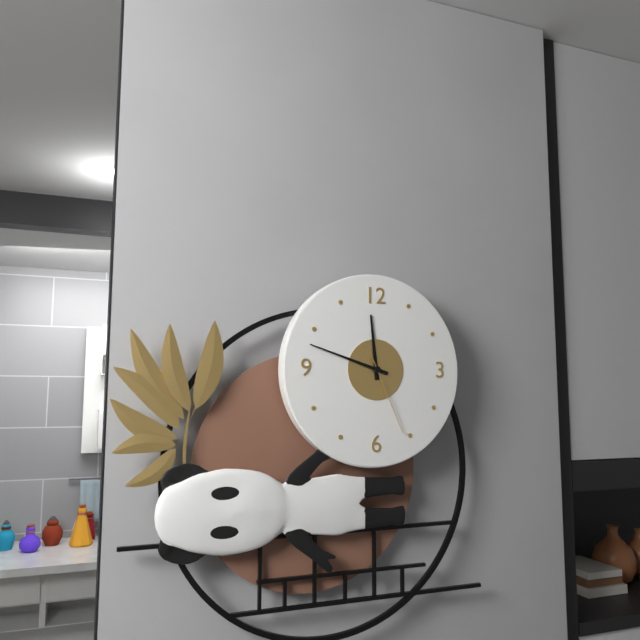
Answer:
h=11 m=48 s=26
